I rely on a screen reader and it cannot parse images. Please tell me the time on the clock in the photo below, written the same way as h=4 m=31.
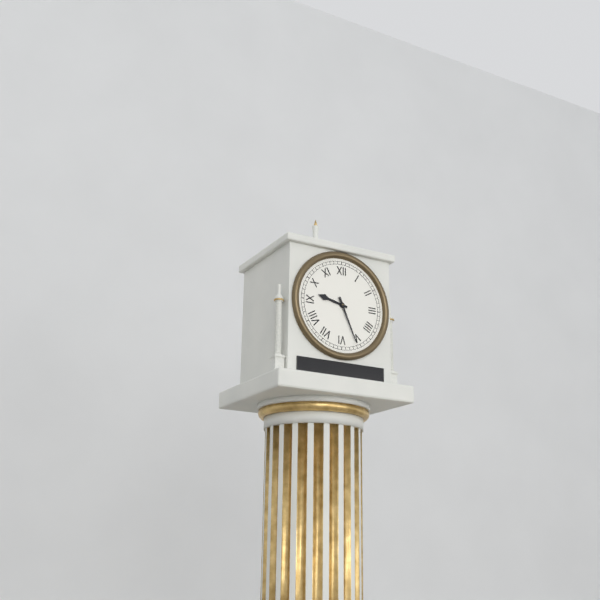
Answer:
h=9 m=26
